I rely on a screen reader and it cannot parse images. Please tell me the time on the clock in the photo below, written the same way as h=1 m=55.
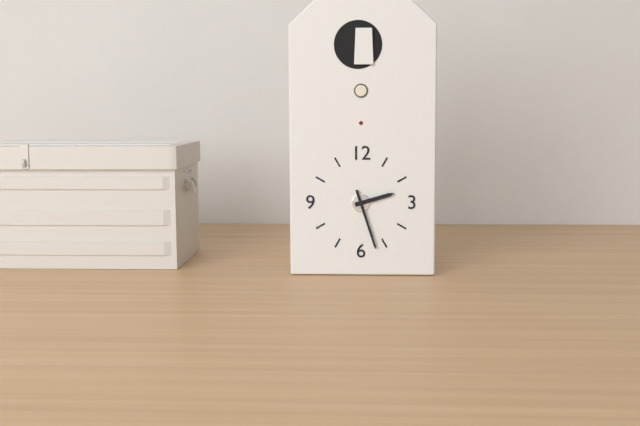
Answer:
h=2 m=27
